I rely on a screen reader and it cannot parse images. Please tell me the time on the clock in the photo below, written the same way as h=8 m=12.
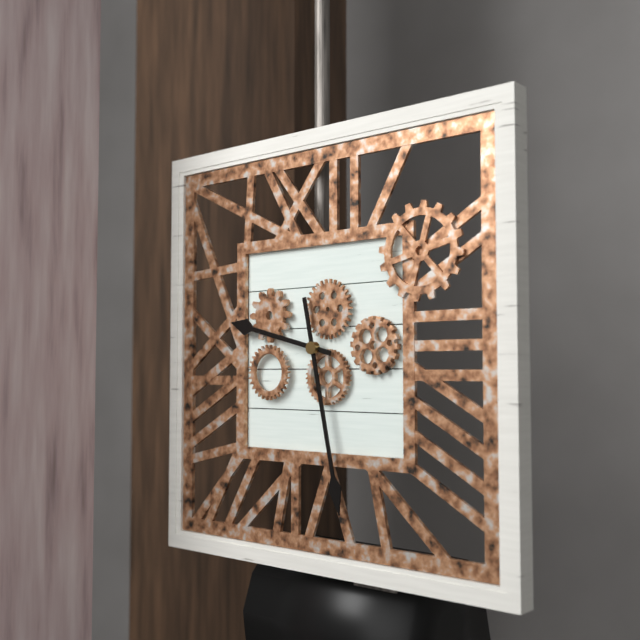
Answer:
h=9 m=28
